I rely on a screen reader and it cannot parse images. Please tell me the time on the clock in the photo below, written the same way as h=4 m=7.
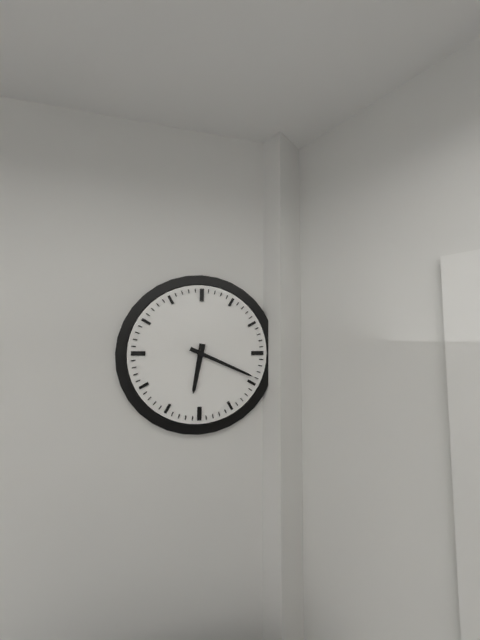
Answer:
h=6 m=19
